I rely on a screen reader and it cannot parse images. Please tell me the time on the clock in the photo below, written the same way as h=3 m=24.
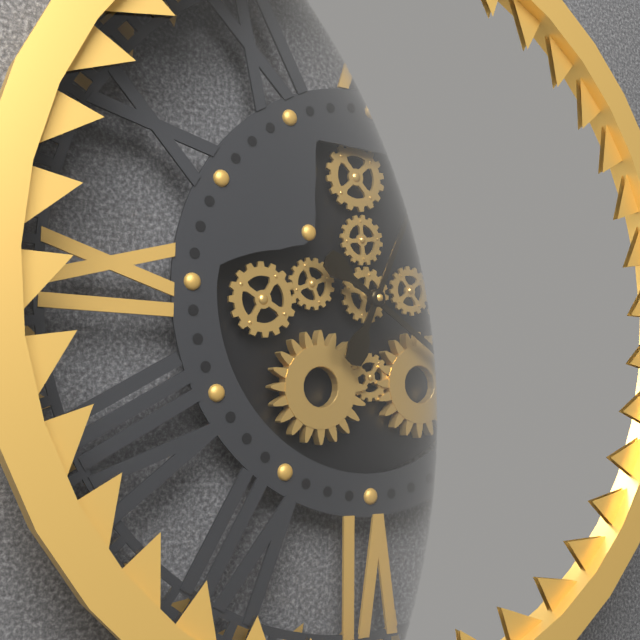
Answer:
h=4 m=4
